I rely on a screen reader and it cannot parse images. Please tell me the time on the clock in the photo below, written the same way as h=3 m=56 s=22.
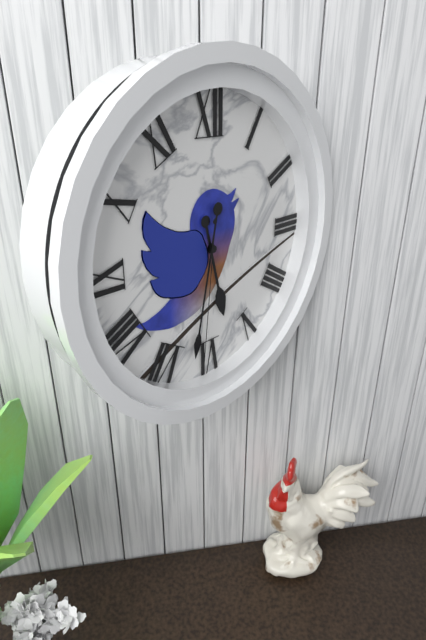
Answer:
h=5 m=32 s=31
